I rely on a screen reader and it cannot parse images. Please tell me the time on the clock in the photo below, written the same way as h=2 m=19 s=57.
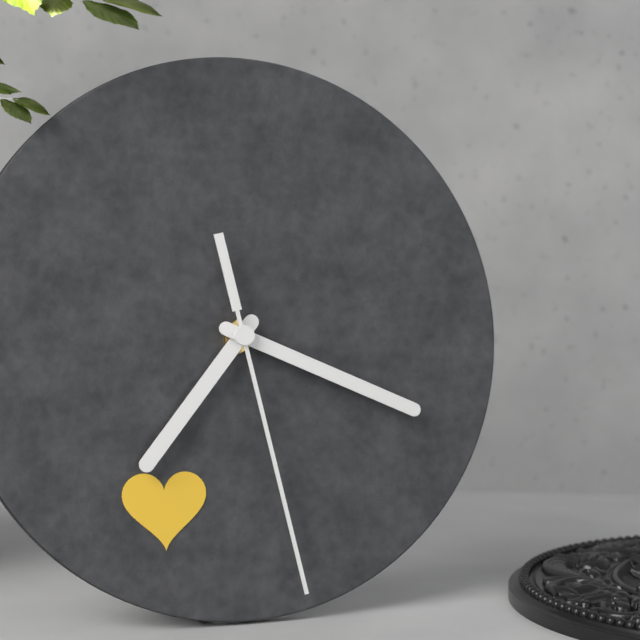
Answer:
h=7 m=19 s=28
